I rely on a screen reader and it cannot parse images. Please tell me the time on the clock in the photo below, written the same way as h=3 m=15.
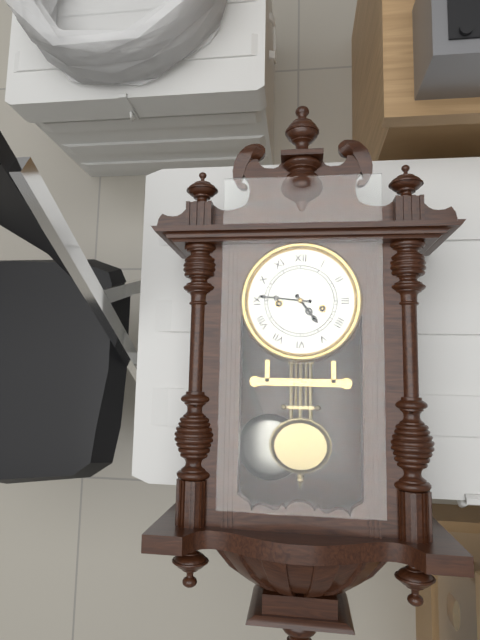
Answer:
h=4 m=46
